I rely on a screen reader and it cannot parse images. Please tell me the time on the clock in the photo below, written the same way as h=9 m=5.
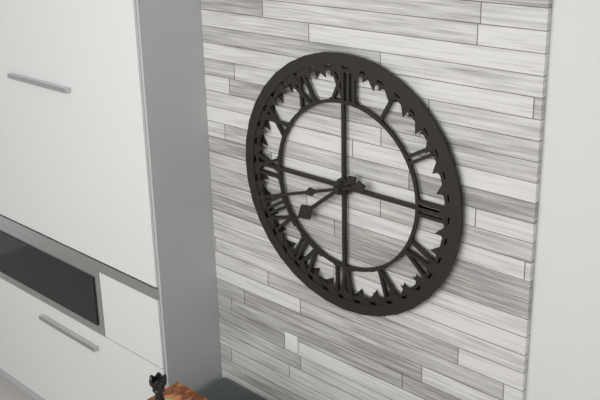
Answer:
h=7 m=42
